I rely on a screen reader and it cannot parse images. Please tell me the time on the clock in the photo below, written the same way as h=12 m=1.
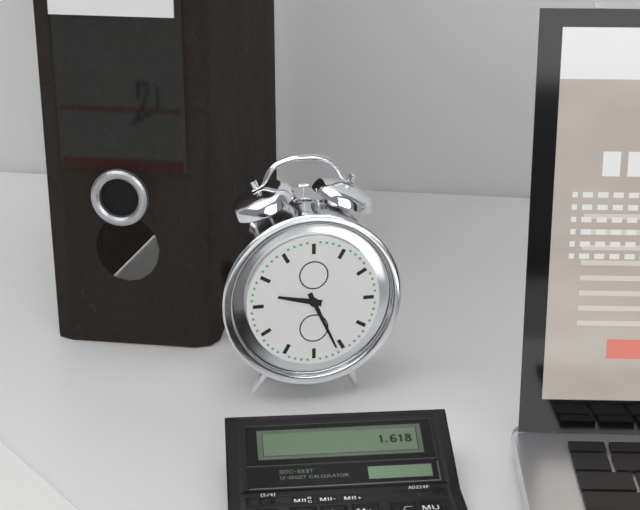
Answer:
h=9 m=26
